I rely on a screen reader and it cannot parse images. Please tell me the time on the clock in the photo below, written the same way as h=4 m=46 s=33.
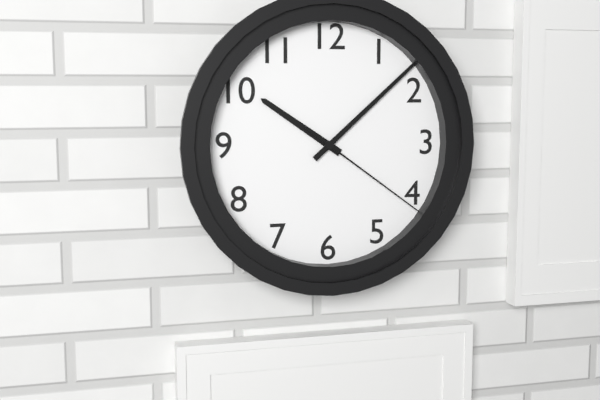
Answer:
h=10 m=8 s=21
